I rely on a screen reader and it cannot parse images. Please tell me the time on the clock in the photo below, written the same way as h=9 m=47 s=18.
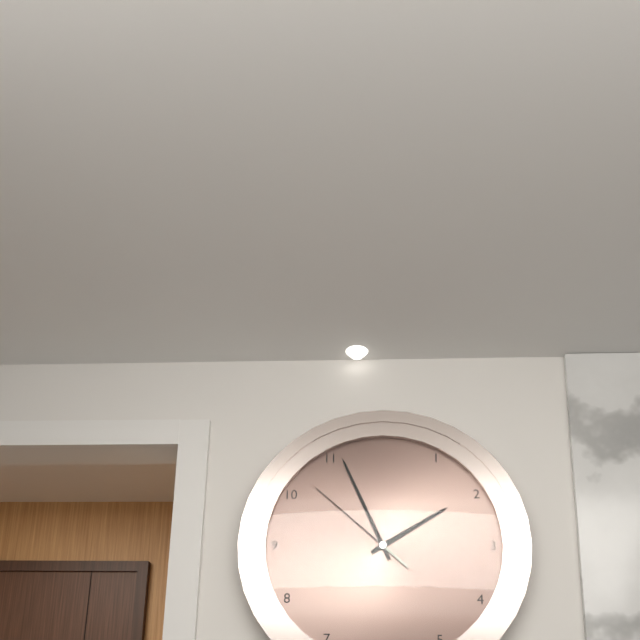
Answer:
h=1 m=56 s=52
